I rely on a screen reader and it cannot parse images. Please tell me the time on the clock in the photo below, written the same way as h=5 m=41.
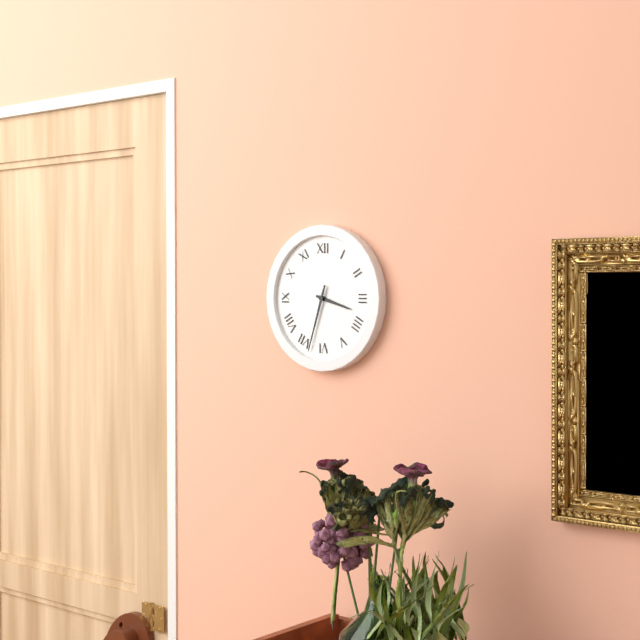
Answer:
h=3 m=33
